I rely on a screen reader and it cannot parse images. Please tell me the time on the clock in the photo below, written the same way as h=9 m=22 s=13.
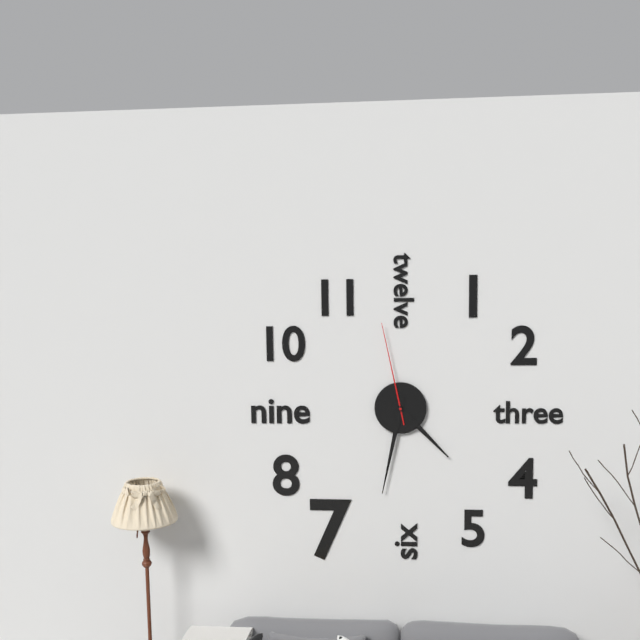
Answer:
h=4 m=32 s=58
